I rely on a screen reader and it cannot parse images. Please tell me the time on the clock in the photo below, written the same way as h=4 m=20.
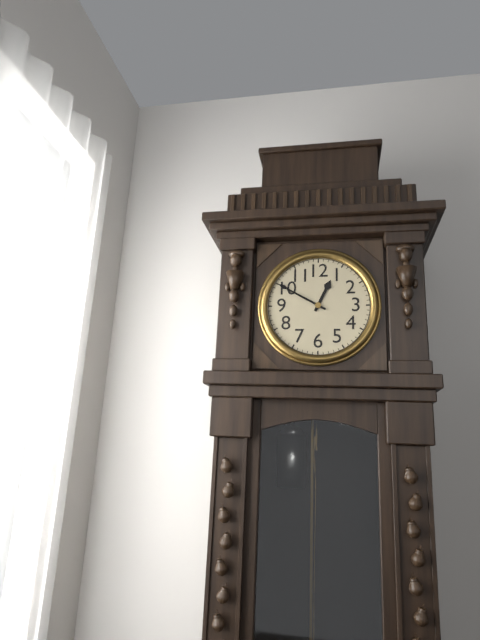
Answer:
h=12 m=50
